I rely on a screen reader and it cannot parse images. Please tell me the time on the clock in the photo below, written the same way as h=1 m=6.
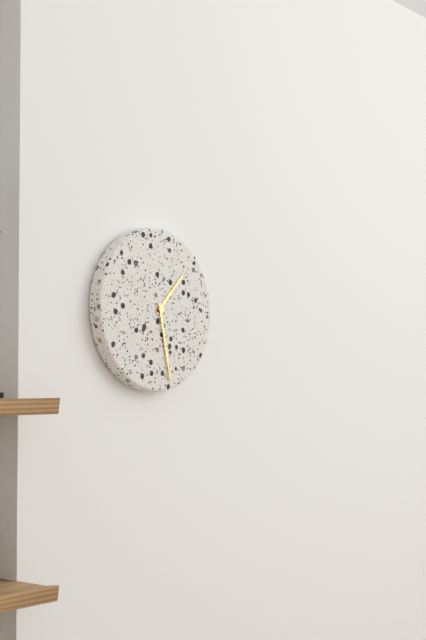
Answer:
h=1 m=28
